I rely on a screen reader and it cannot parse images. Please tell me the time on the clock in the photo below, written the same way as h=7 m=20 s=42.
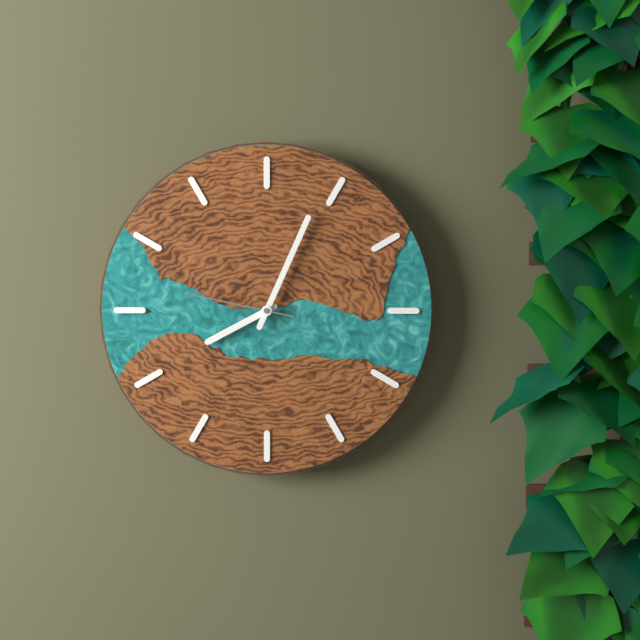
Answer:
h=8 m=4 s=47
